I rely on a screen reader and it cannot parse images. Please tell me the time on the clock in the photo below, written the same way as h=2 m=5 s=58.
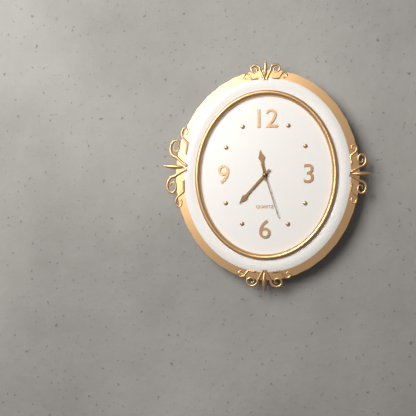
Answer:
h=11 m=37 s=27
